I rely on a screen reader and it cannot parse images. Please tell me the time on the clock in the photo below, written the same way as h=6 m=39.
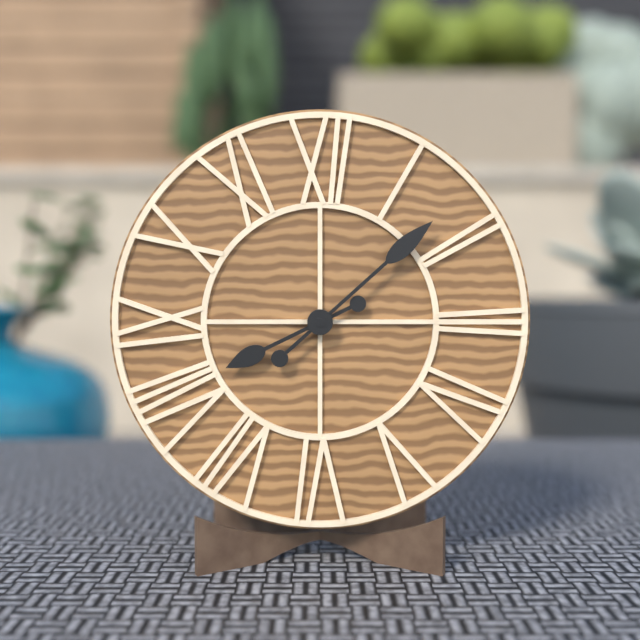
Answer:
h=8 m=8
